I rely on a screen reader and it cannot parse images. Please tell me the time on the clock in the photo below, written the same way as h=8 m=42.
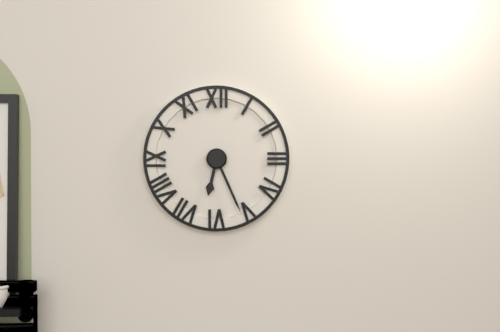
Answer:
h=6 m=26
